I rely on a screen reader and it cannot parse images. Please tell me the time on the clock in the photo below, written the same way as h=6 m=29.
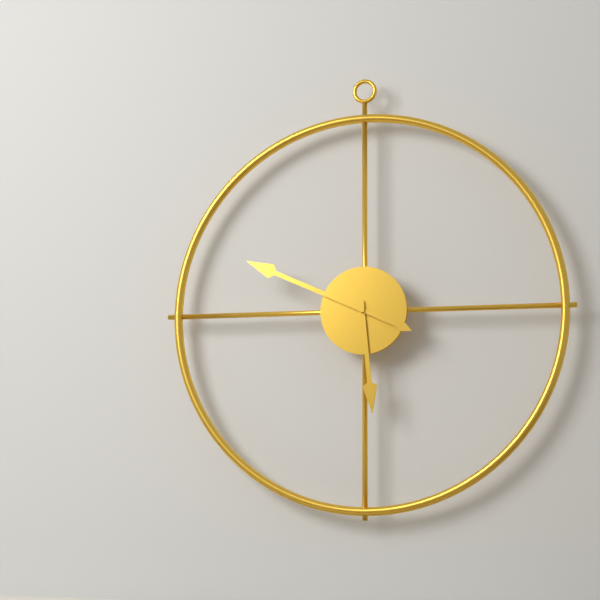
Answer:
h=5 m=49
